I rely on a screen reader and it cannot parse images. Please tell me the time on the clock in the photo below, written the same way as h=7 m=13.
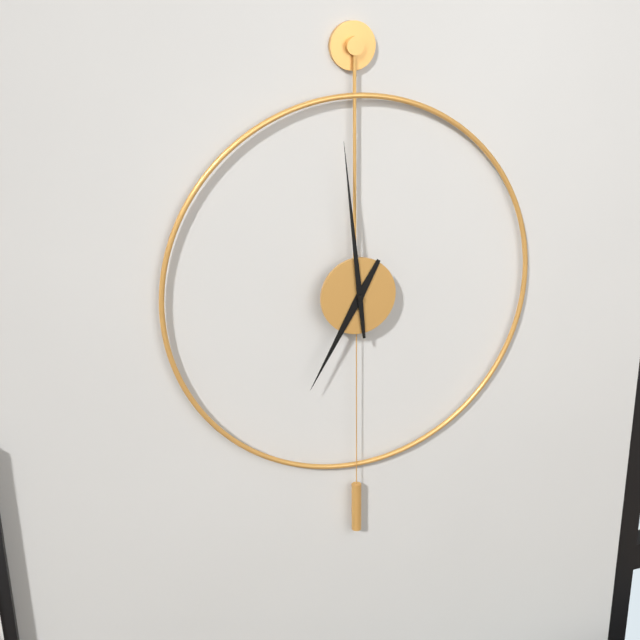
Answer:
h=6 m=59
